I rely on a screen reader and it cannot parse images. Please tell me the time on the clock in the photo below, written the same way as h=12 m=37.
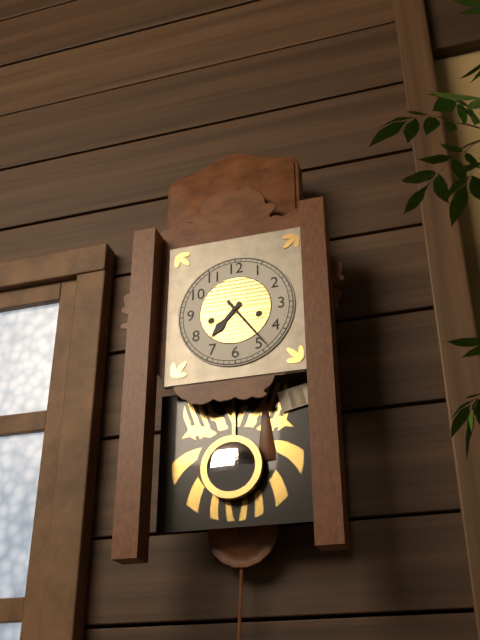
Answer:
h=7 m=24
